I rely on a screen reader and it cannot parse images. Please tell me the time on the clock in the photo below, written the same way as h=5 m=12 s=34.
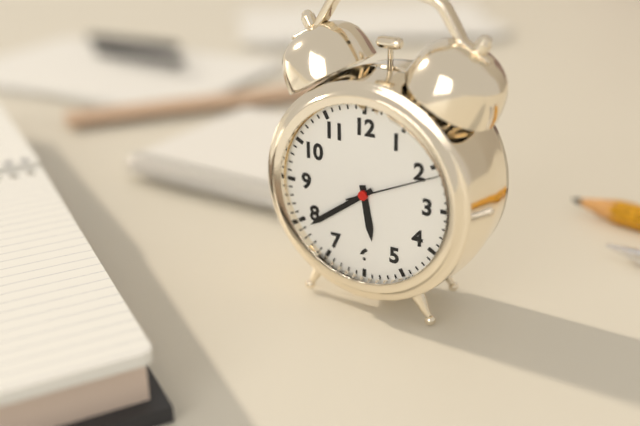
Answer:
h=5 m=39 s=11
